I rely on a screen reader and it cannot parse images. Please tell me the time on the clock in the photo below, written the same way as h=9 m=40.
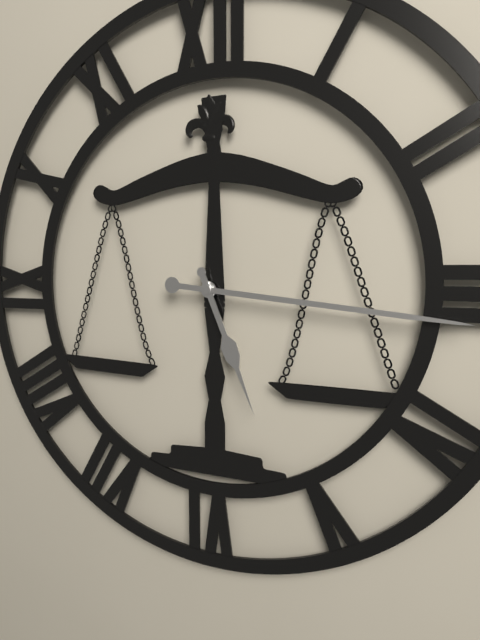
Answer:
h=5 m=16
